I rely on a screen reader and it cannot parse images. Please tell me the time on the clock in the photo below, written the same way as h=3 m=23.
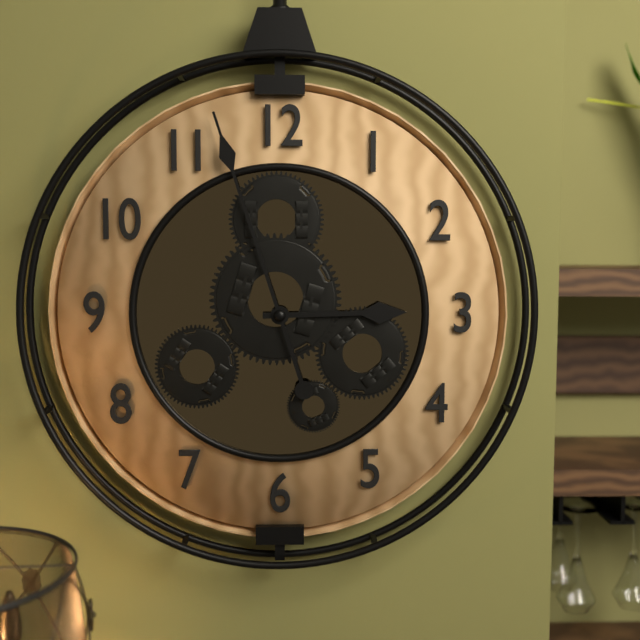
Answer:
h=2 m=57
